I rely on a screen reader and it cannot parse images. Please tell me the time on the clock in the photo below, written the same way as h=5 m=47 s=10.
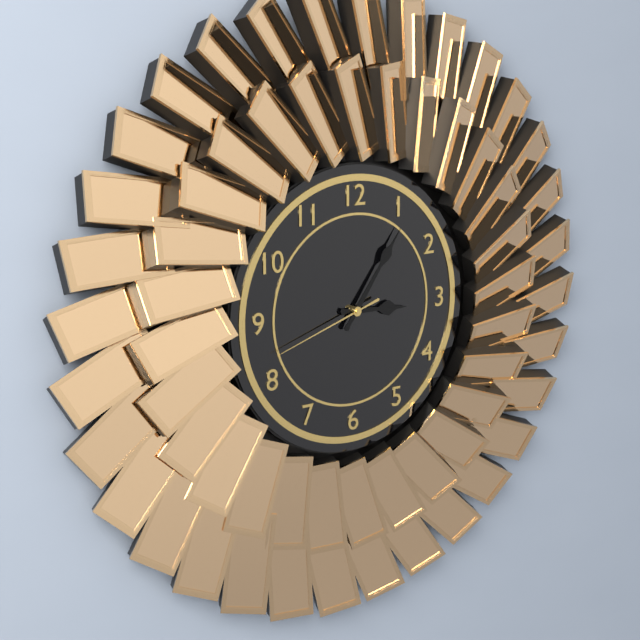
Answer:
h=3 m=6 s=42
